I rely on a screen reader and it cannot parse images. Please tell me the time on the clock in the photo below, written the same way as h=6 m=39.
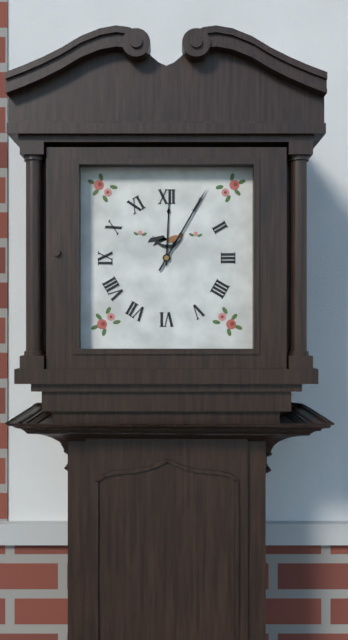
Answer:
h=12 m=5
